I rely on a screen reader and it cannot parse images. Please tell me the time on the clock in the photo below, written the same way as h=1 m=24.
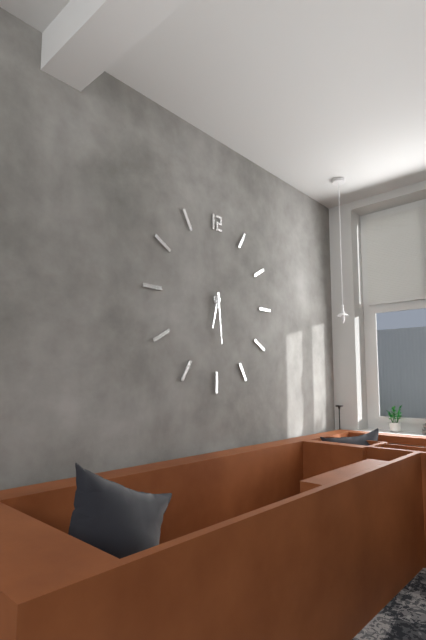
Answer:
h=6 m=29
